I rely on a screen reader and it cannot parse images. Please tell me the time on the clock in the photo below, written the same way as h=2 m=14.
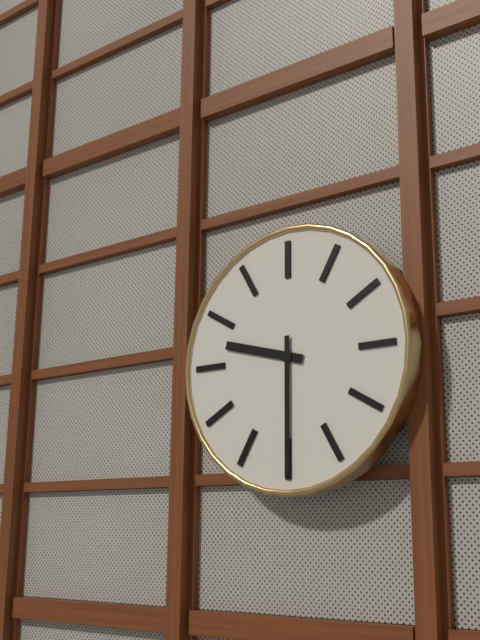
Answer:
h=9 m=30
